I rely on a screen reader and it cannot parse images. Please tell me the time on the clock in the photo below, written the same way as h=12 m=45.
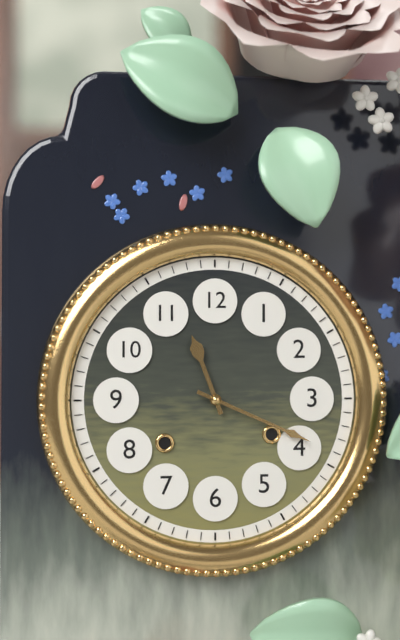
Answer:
h=11 m=19
